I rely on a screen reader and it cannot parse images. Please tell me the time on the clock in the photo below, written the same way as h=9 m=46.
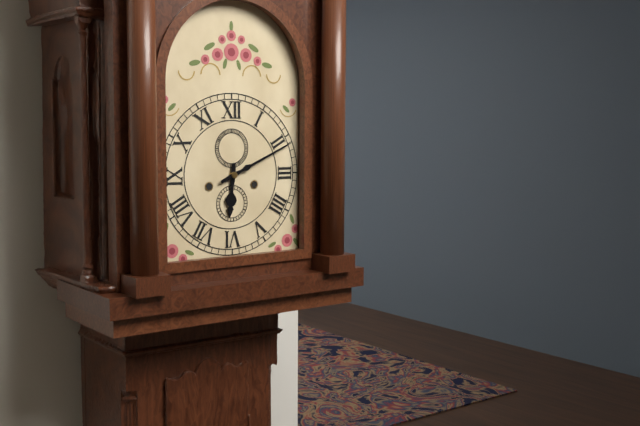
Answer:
h=6 m=11
